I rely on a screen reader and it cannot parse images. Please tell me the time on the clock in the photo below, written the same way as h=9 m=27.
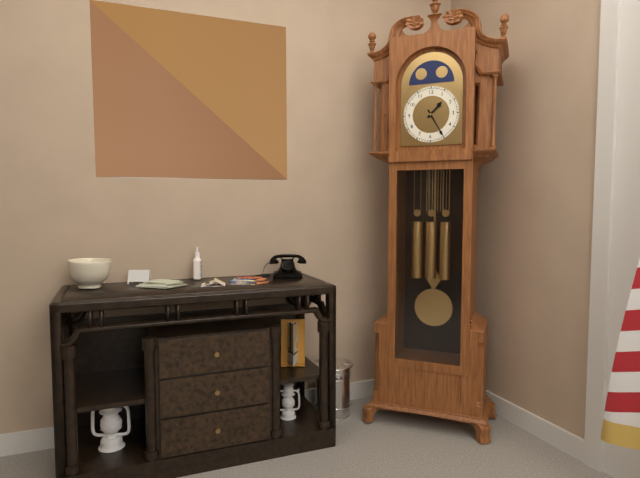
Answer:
h=1 m=25
